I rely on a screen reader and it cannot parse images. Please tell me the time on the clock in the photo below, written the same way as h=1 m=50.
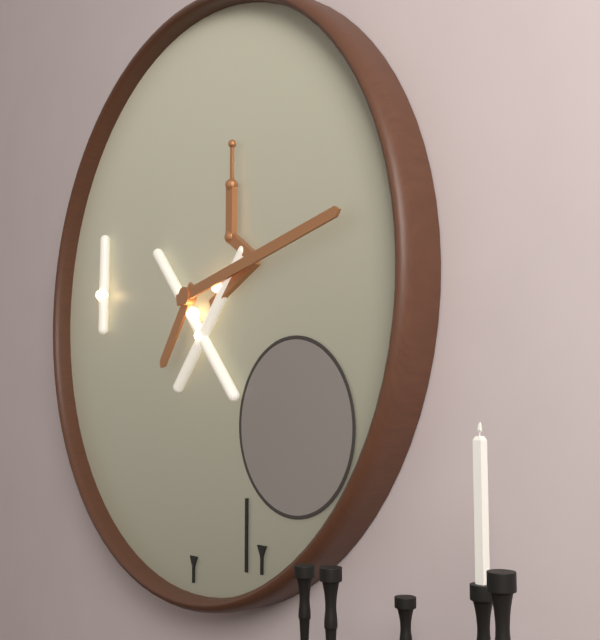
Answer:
h=7 m=13
